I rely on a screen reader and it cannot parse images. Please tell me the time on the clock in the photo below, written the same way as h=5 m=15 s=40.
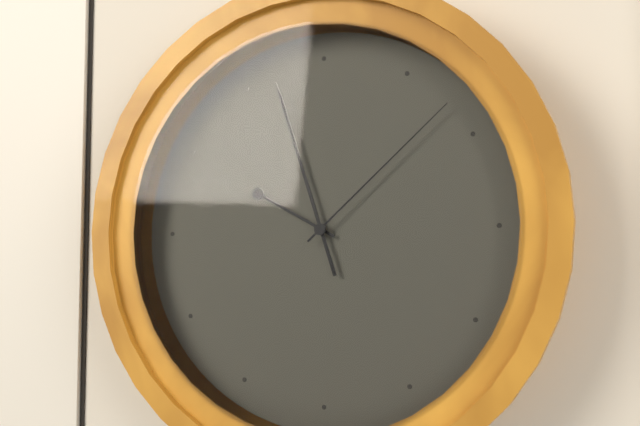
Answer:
h=9 m=57 s=8
